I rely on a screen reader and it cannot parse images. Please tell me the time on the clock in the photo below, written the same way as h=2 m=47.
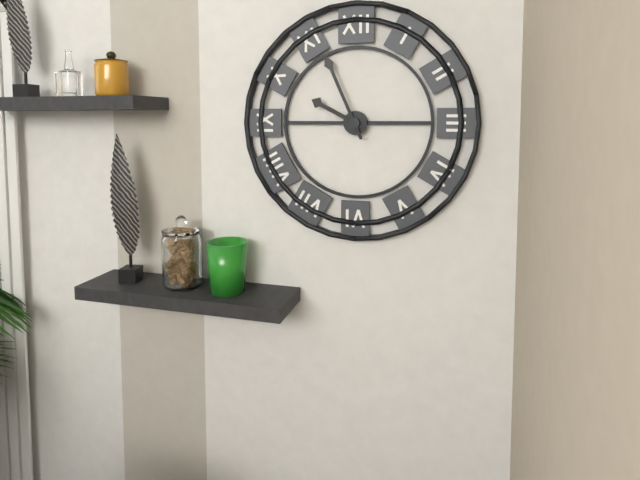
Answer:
h=9 m=56
